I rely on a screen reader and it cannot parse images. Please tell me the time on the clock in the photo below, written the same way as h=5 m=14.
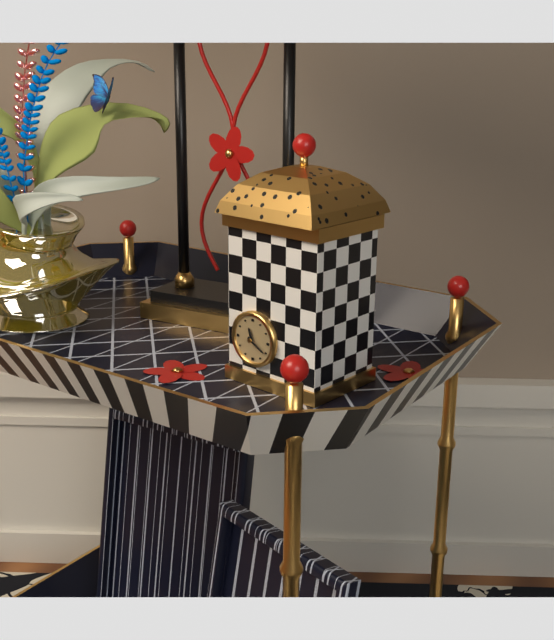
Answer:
h=11 m=20
